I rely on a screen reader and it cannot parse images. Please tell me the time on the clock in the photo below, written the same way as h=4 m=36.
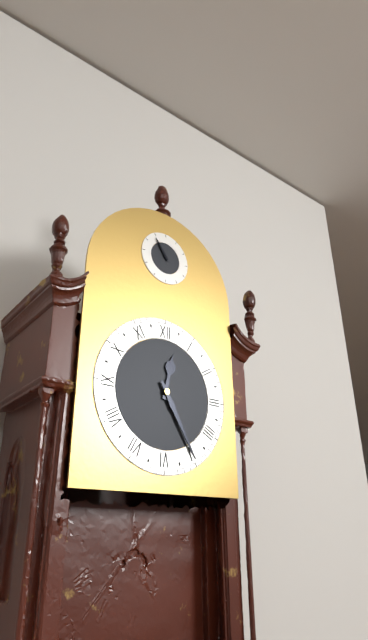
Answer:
h=12 m=25
